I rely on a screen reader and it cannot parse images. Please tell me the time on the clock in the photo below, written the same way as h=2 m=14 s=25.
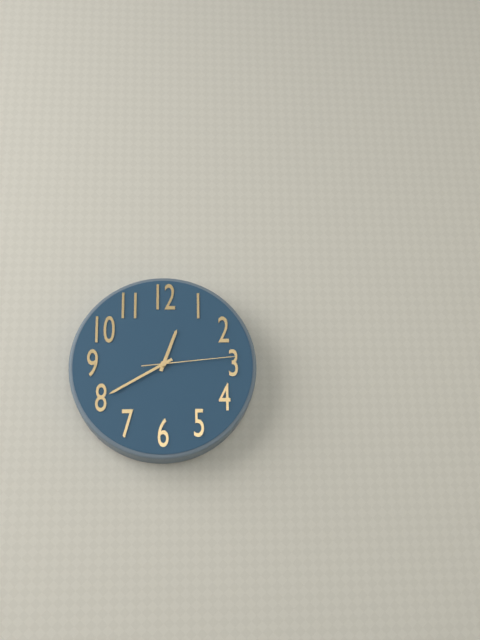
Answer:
h=12 m=40 s=14
